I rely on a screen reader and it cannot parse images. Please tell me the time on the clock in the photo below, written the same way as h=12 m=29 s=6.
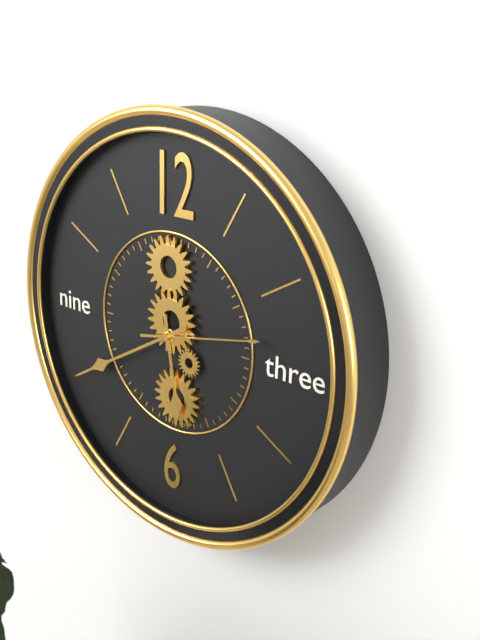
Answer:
h=5 m=40 s=13
